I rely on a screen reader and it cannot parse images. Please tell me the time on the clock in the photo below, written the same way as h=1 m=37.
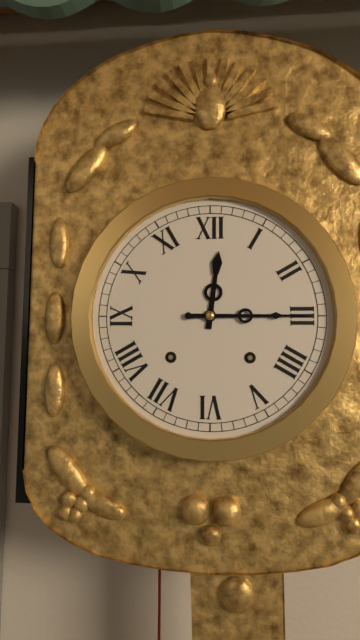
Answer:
h=12 m=15
